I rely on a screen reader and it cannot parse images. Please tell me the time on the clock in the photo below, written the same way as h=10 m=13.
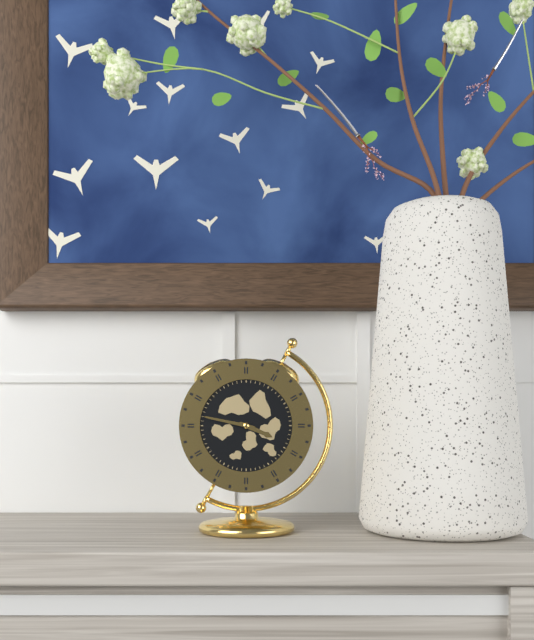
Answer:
h=3 m=47
